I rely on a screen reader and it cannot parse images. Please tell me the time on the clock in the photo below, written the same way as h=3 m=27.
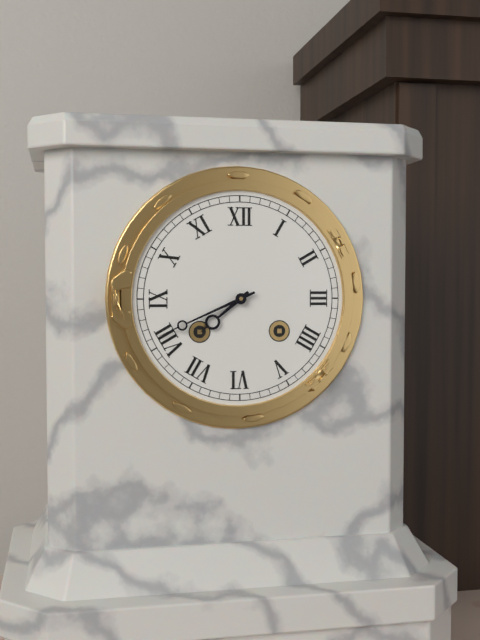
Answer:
h=7 m=41
